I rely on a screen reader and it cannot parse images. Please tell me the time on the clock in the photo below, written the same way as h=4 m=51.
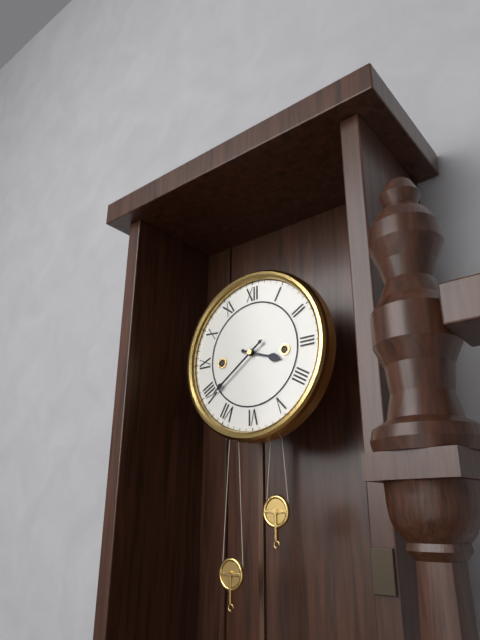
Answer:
h=3 m=39
